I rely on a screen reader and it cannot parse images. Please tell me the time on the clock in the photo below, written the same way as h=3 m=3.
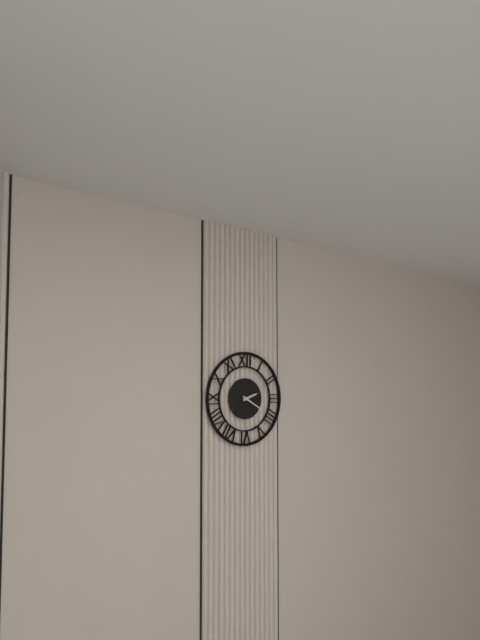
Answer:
h=2 m=20
